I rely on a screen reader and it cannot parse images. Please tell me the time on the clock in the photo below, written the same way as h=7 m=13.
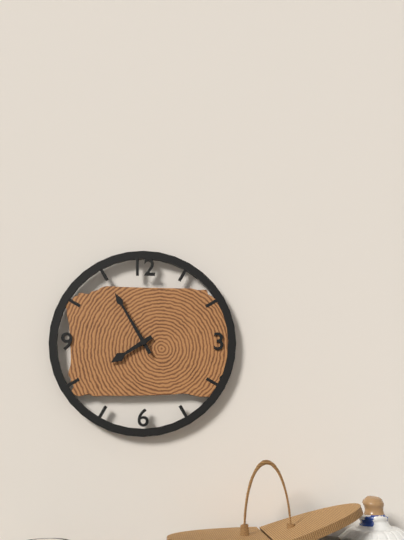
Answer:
h=7 m=55
